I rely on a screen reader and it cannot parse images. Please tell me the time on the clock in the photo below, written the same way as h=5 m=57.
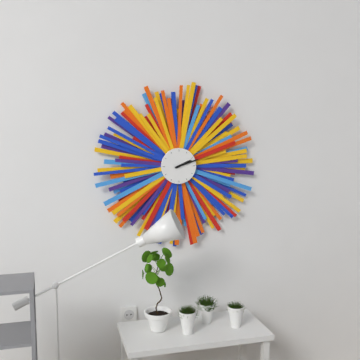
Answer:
h=2 m=12
